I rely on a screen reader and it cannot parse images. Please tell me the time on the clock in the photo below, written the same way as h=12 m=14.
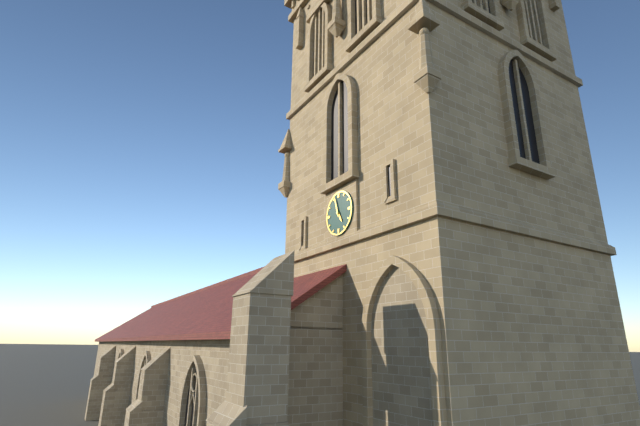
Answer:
h=4 m=57
